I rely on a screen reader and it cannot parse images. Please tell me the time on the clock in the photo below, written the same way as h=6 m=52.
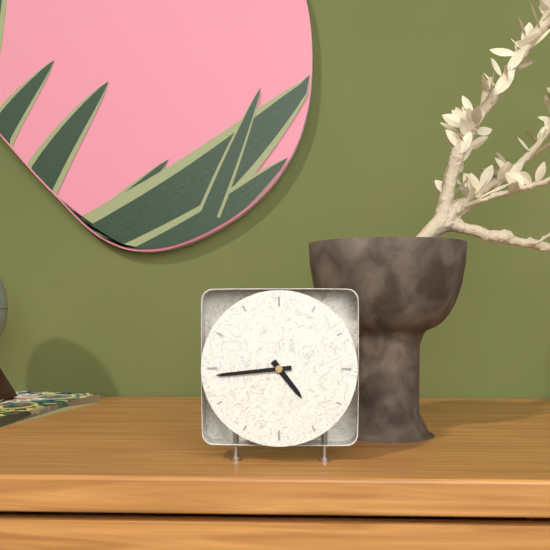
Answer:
h=4 m=44
